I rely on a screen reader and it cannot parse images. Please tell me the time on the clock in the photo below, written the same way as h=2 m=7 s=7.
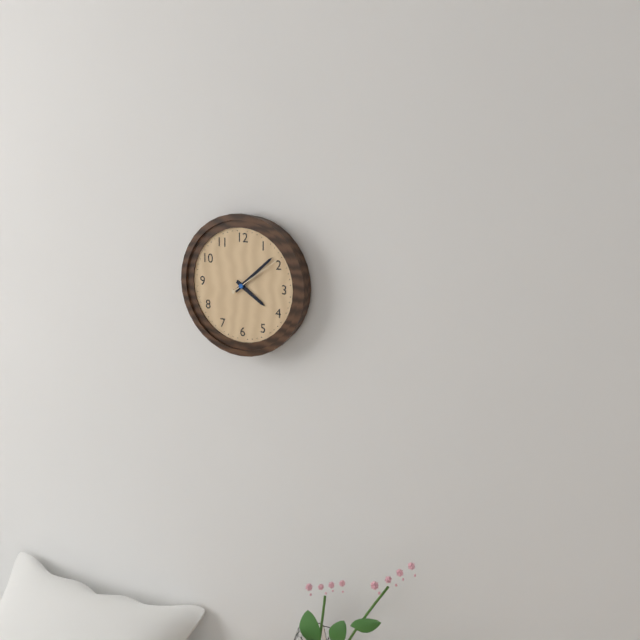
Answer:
h=4 m=8 s=9
